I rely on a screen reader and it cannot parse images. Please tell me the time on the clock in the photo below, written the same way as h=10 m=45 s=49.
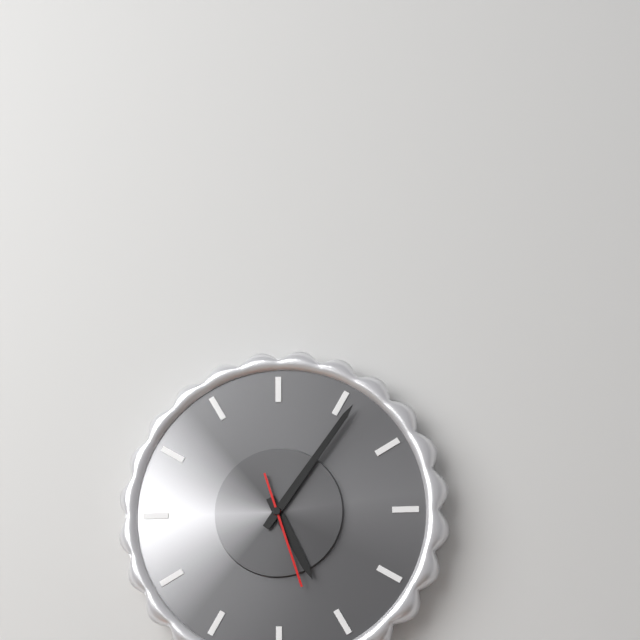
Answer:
h=5 m=6 s=27
